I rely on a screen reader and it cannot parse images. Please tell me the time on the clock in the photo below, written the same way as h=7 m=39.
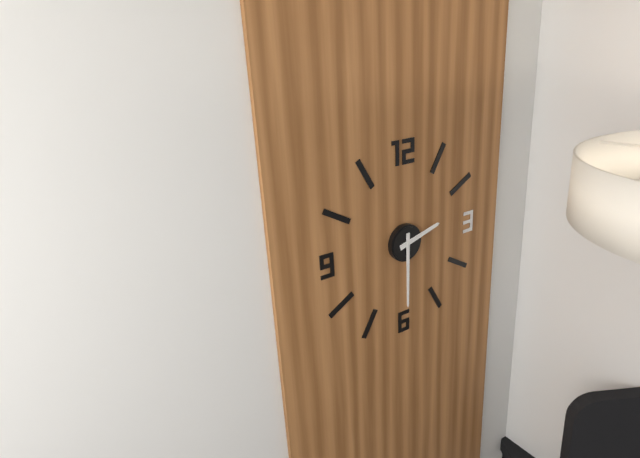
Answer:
h=2 m=30
